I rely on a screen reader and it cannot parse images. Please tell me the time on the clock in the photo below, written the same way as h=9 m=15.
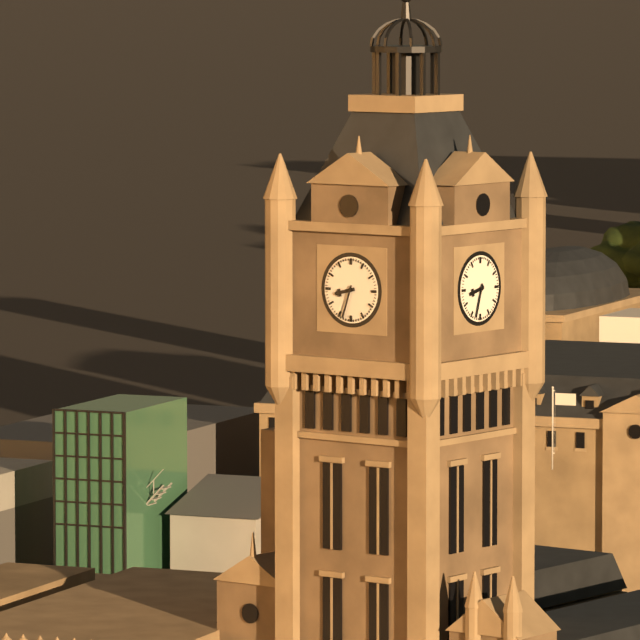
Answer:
h=8 m=33
